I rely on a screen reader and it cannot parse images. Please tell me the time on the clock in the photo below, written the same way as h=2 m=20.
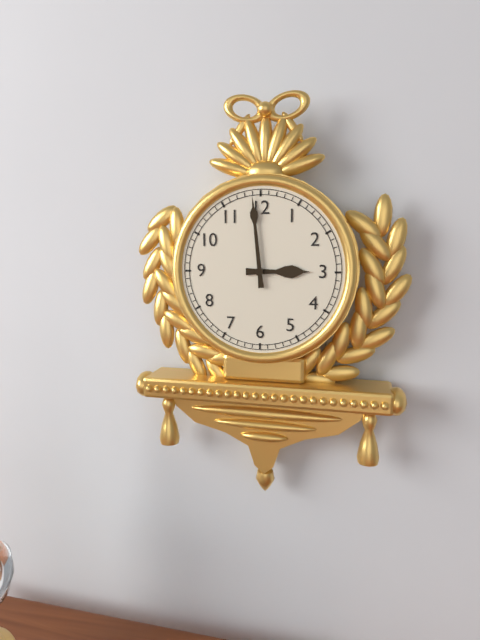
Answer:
h=2 m=59
